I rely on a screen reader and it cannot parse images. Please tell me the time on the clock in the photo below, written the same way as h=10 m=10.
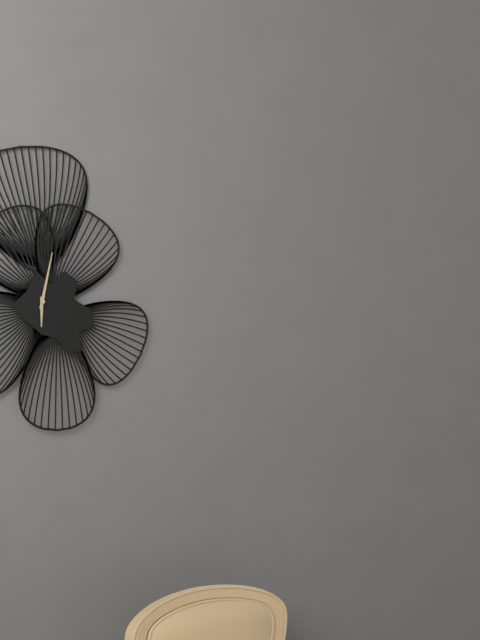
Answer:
h=6 m=2
